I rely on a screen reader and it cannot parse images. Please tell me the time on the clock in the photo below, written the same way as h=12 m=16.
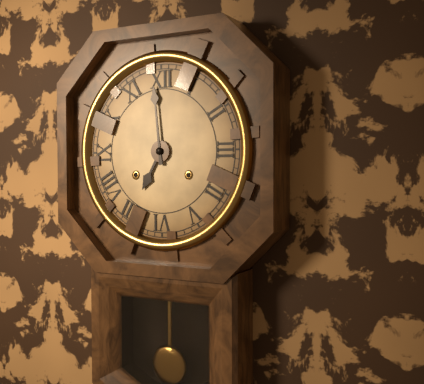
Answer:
h=6 m=59
